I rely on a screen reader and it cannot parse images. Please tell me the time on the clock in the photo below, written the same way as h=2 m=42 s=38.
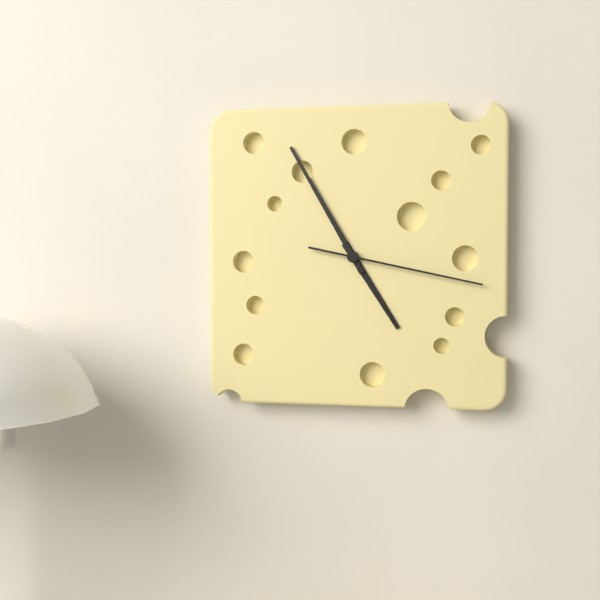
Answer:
h=4 m=55 s=17
